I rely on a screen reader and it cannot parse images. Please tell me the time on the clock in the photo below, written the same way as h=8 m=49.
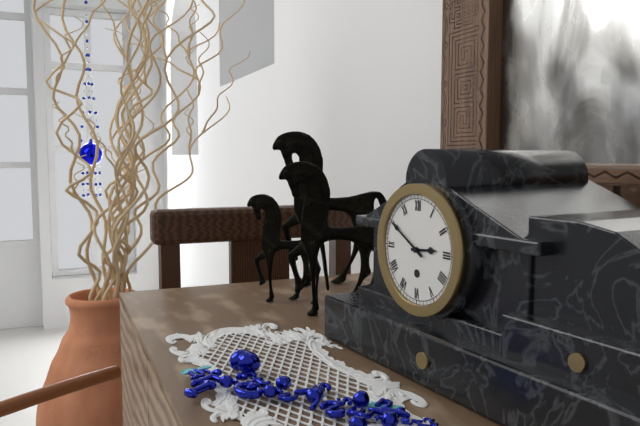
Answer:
h=2 m=50
